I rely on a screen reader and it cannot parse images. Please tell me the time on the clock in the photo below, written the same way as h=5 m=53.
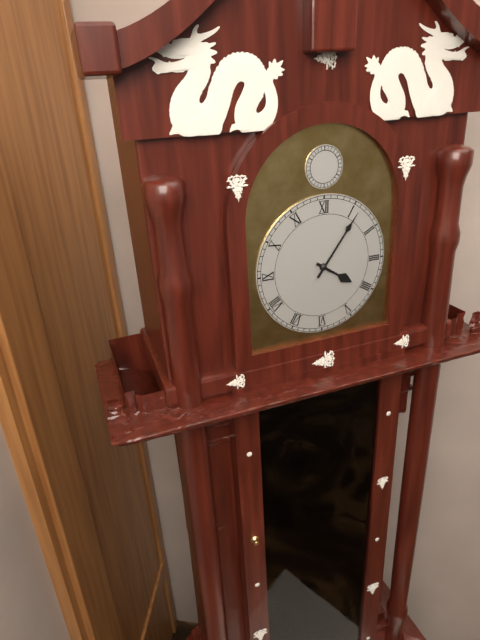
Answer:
h=4 m=6
